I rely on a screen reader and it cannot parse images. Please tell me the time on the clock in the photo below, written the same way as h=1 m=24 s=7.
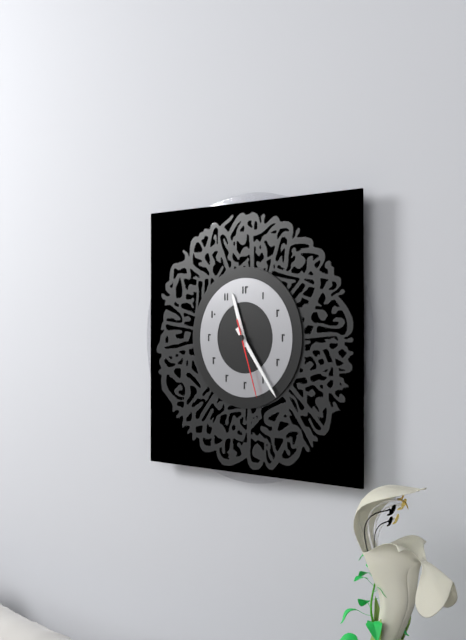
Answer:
h=11 m=24 s=27
